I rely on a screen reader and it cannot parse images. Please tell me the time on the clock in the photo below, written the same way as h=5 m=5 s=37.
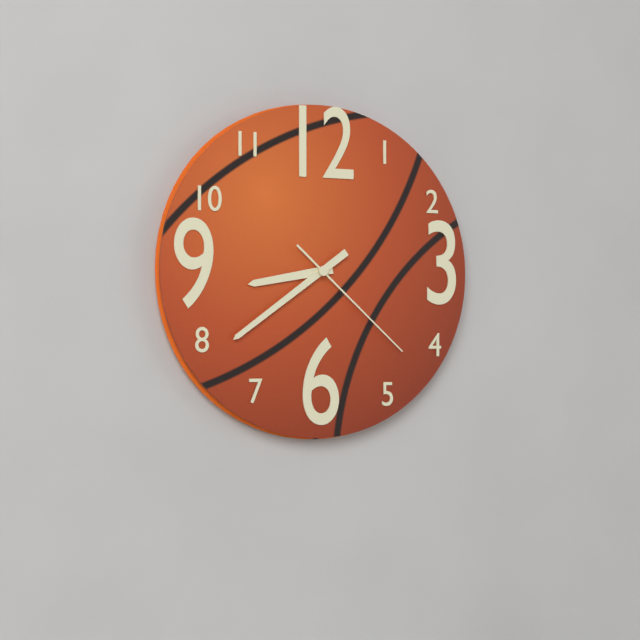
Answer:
h=8 m=39 s=22
